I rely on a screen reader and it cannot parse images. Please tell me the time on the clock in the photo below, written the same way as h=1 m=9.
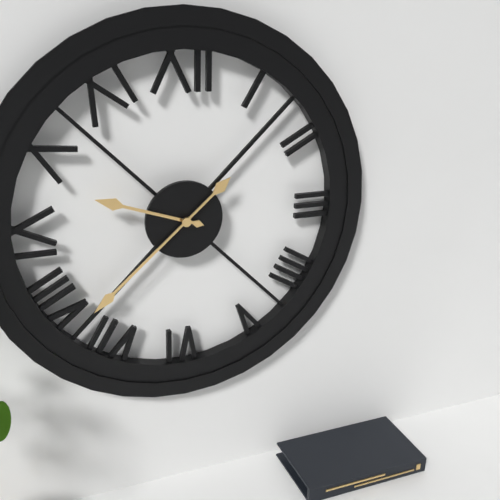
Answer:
h=9 m=38
